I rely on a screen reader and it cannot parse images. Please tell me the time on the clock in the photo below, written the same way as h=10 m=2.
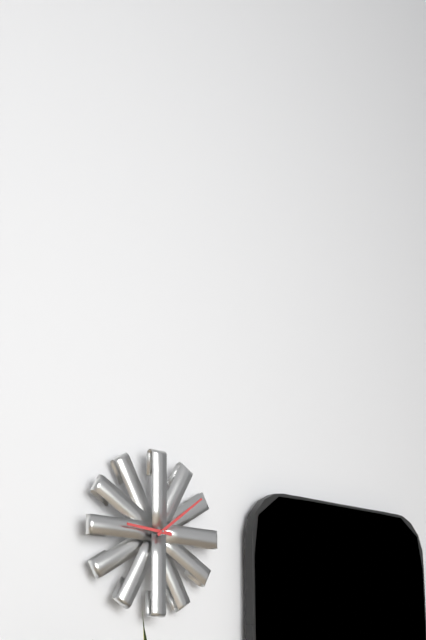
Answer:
h=9 m=9
